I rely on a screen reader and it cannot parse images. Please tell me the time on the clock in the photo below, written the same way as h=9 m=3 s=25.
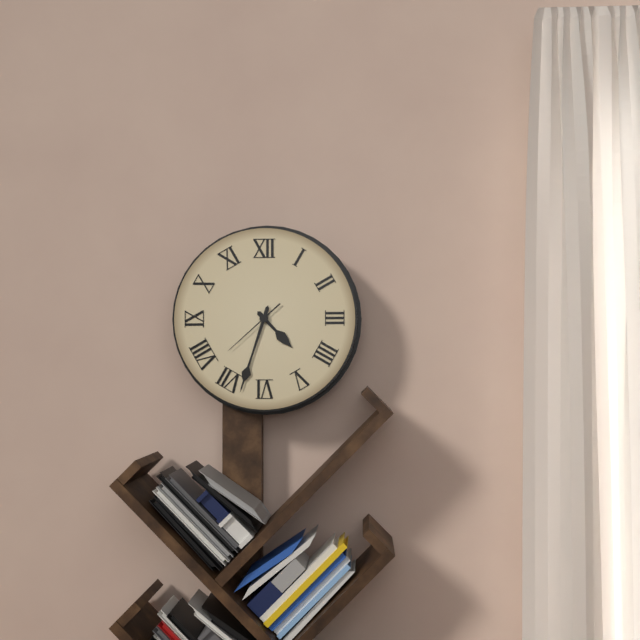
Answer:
h=4 m=33 s=38
